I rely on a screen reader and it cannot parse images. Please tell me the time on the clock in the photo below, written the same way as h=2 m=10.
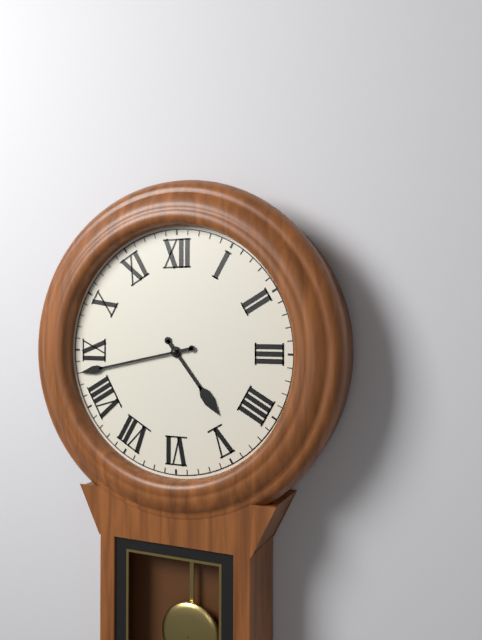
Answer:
h=4 m=43
